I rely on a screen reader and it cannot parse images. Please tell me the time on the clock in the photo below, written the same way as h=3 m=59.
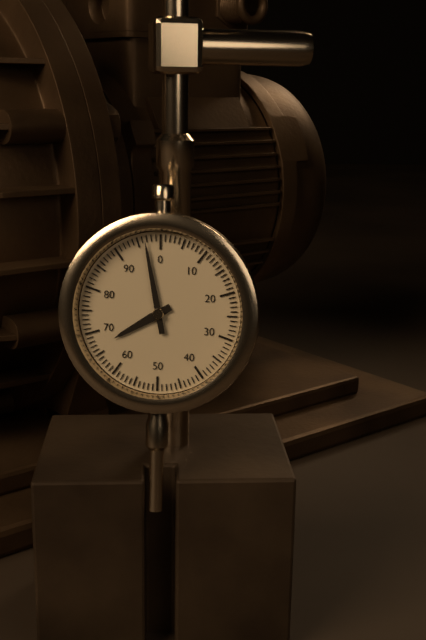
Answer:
h=7 m=58
